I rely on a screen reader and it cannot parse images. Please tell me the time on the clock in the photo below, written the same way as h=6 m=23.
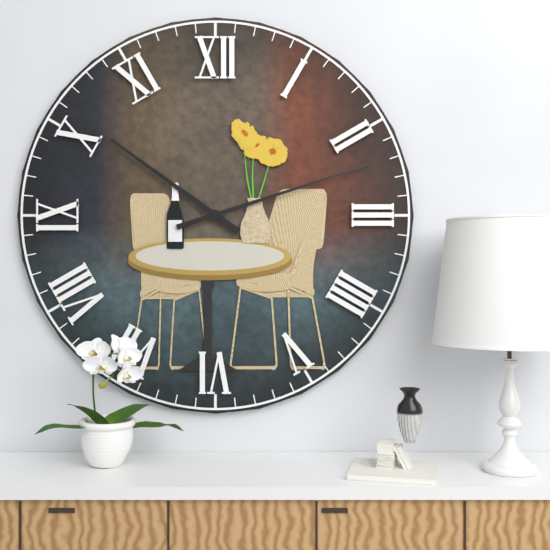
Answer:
h=10 m=12
